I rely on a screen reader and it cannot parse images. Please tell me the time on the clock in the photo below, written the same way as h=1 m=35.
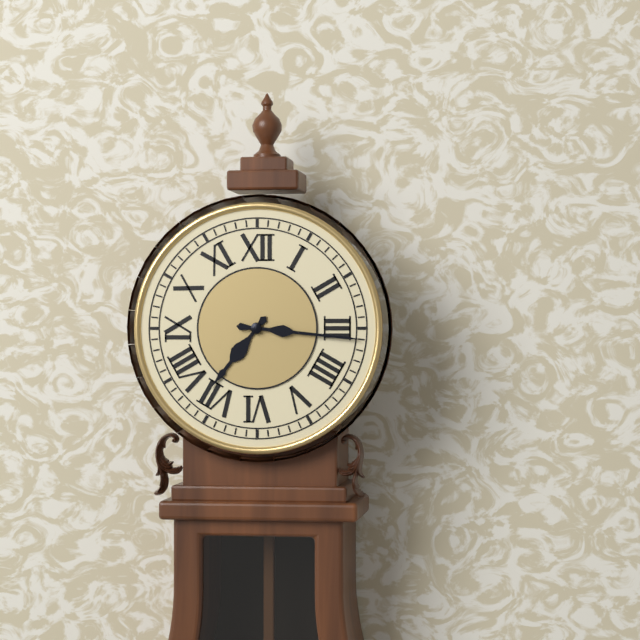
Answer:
h=7 m=16
